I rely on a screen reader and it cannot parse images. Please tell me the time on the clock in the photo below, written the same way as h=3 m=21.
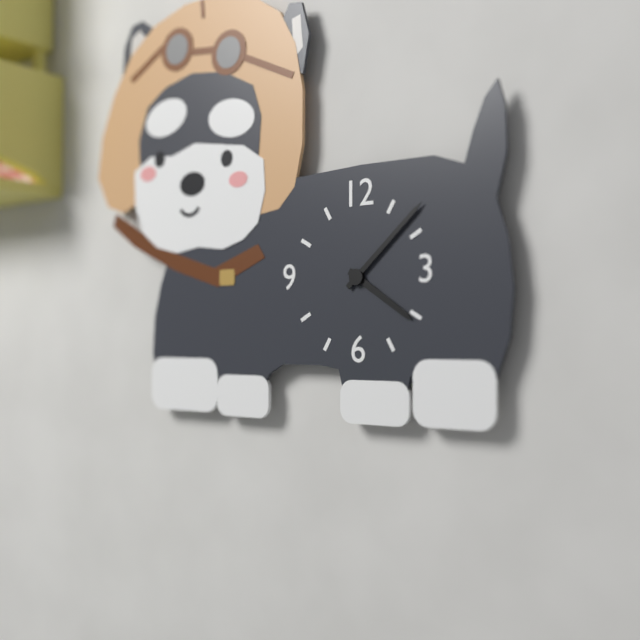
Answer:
h=4 m=8
